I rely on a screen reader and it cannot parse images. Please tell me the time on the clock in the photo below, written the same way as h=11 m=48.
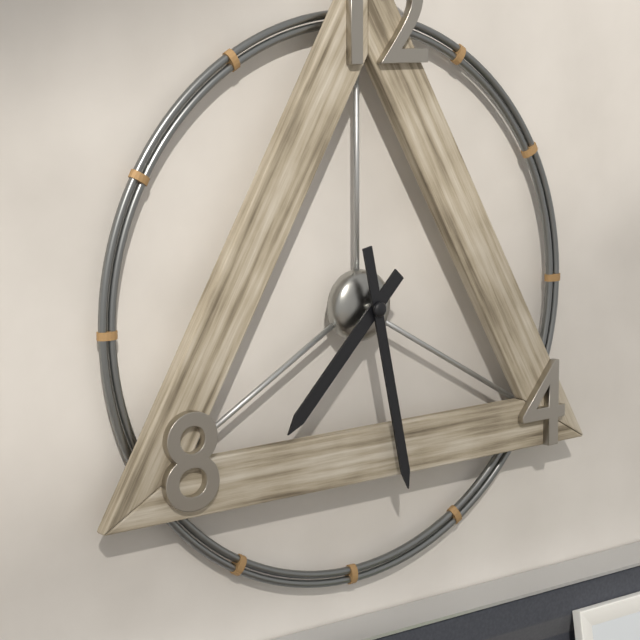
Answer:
h=7 m=28
